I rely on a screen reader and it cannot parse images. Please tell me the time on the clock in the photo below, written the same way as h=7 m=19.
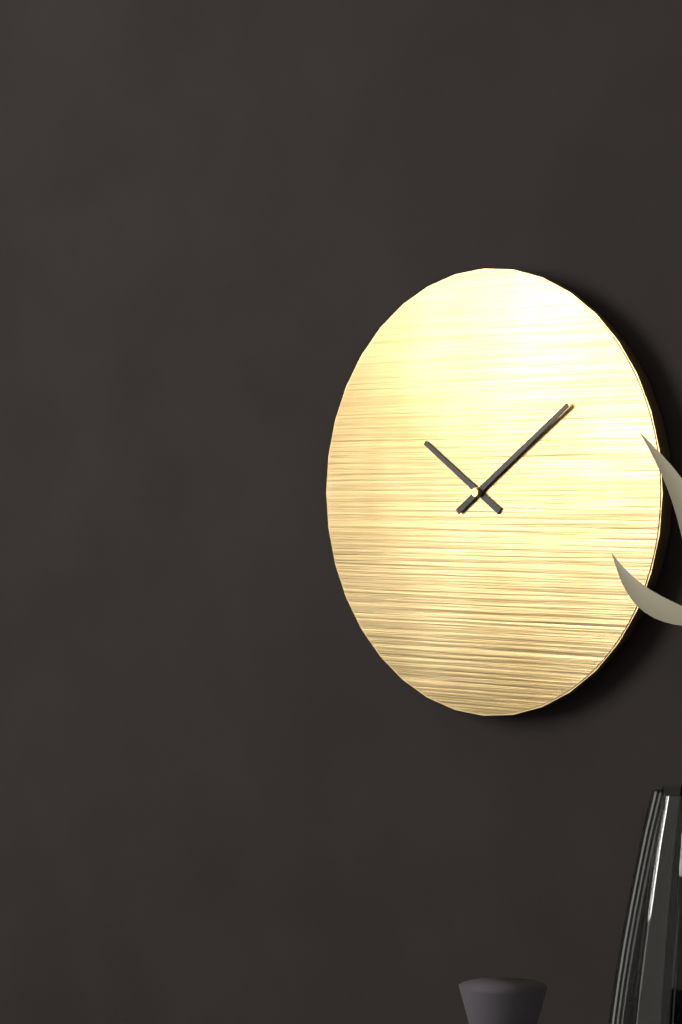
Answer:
h=10 m=9
